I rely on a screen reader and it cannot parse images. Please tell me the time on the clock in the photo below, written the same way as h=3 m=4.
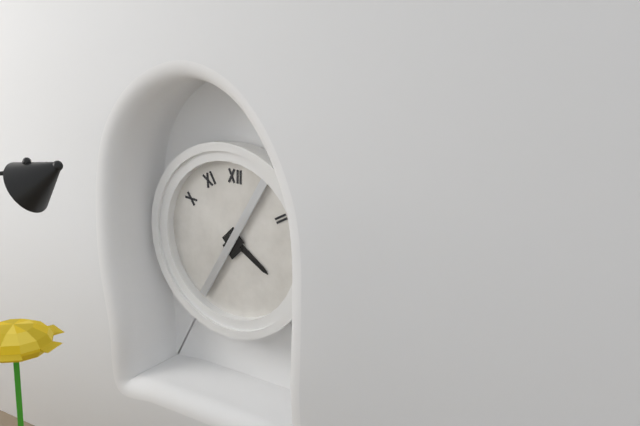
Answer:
h=4 m=5
